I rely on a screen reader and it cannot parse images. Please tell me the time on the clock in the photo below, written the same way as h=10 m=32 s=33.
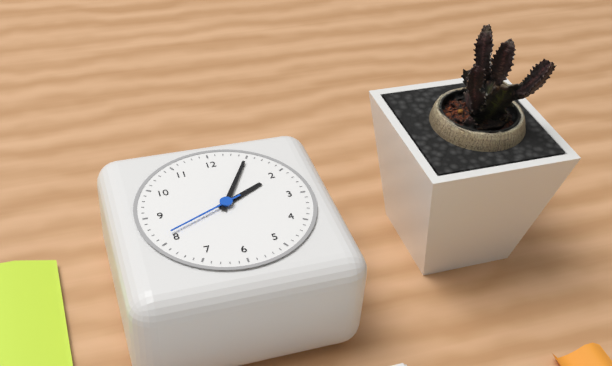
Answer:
h=2 m=5 s=41
